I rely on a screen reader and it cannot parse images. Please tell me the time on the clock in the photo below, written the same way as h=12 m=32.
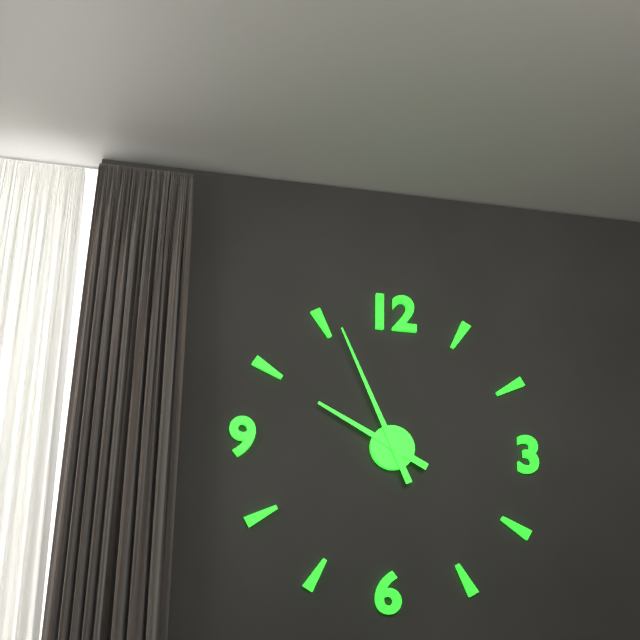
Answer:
h=9 m=56
